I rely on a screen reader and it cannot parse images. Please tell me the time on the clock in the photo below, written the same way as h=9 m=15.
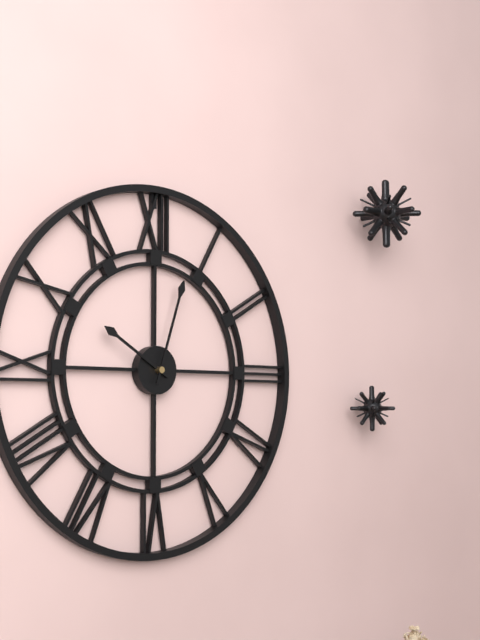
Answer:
h=10 m=3
